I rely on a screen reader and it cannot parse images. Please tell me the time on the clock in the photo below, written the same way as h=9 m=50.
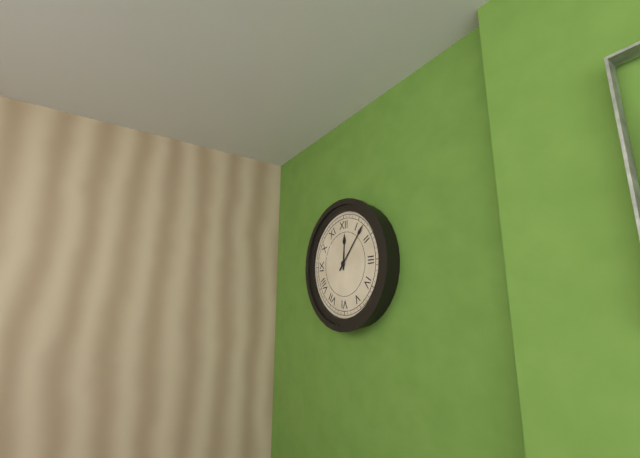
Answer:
h=12 m=7
